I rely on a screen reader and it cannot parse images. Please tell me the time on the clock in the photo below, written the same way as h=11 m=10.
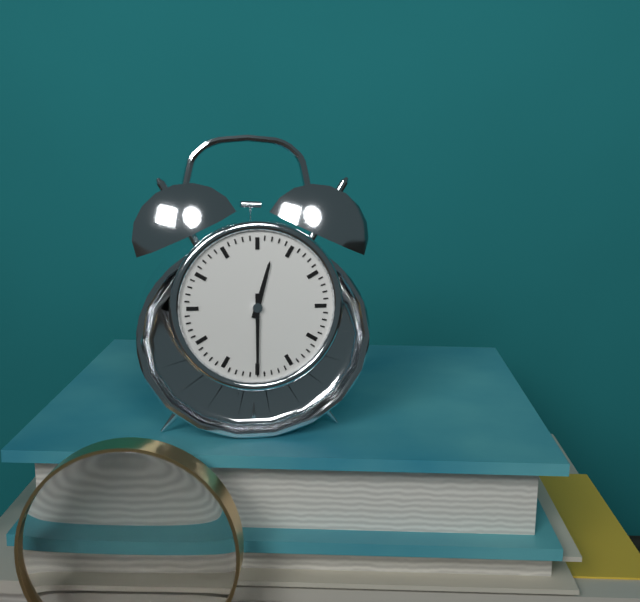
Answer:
h=12 m=30
